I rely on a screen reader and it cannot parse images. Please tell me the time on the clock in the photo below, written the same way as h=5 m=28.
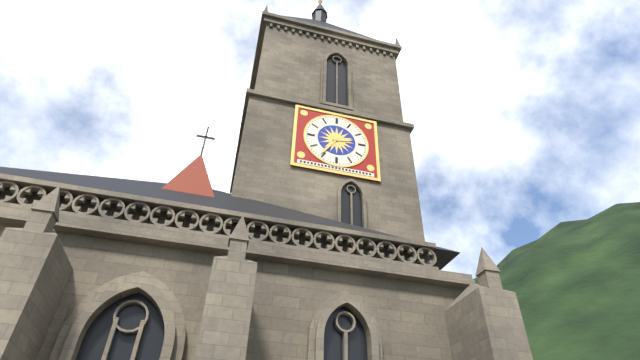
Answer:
h=2 m=36
